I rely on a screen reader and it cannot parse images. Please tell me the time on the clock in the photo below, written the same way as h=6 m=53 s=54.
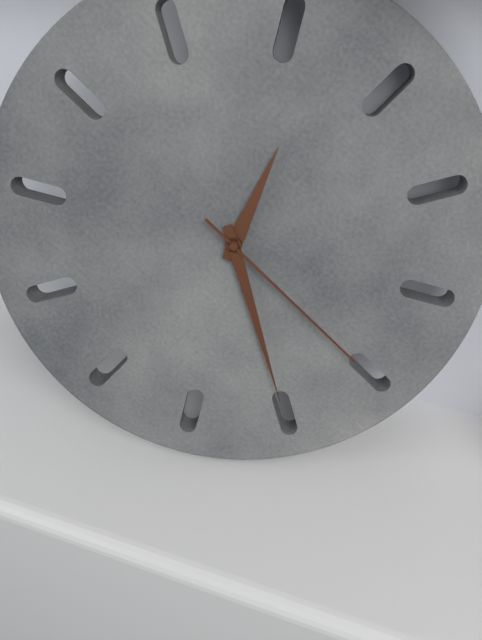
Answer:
h=11 m=20 s=15
